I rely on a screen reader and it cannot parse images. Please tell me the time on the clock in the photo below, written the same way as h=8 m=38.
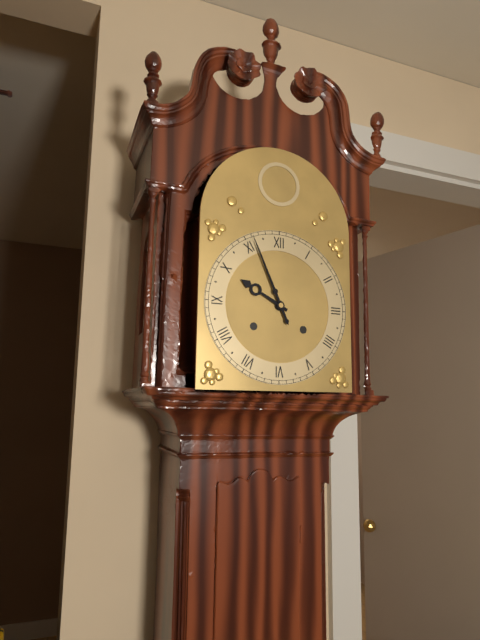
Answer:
h=9 m=56
